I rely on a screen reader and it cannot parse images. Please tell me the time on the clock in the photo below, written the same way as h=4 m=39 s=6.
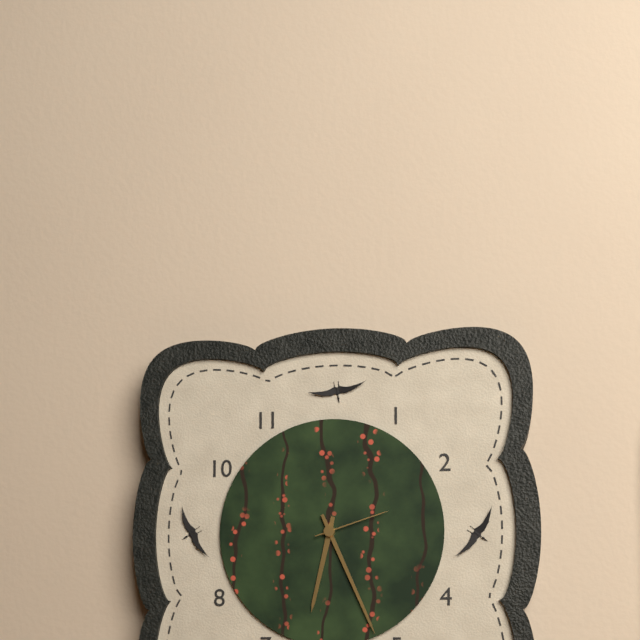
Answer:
h=6 m=26 s=12
